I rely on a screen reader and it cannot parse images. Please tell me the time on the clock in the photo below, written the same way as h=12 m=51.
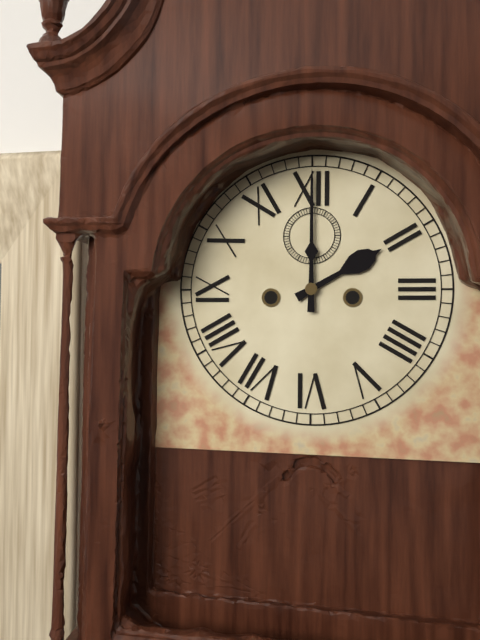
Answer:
h=2 m=0
